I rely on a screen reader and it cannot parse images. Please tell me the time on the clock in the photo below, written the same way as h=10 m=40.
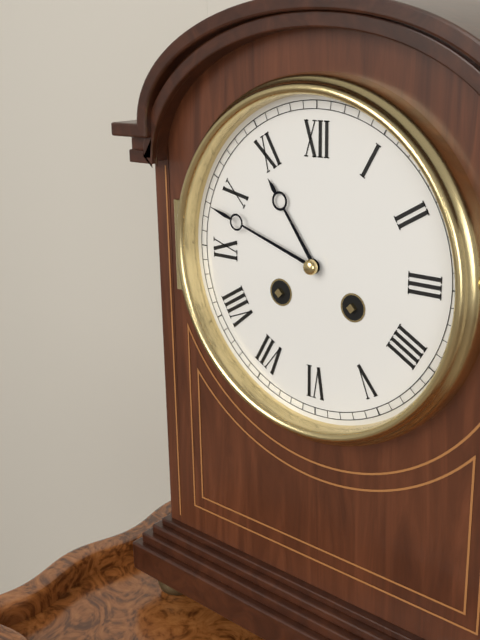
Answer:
h=10 m=48
